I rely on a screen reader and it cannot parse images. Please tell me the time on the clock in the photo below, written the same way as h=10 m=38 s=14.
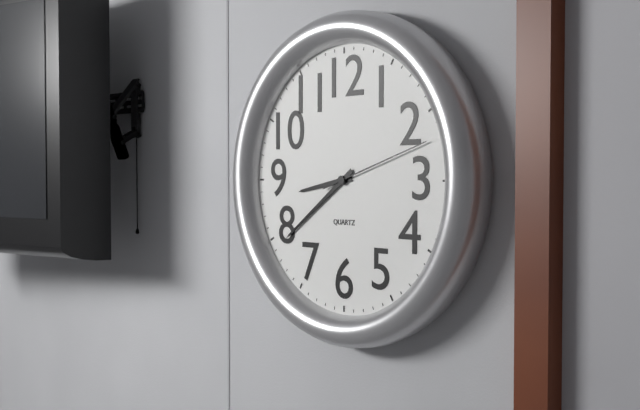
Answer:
h=8 m=39 s=12
